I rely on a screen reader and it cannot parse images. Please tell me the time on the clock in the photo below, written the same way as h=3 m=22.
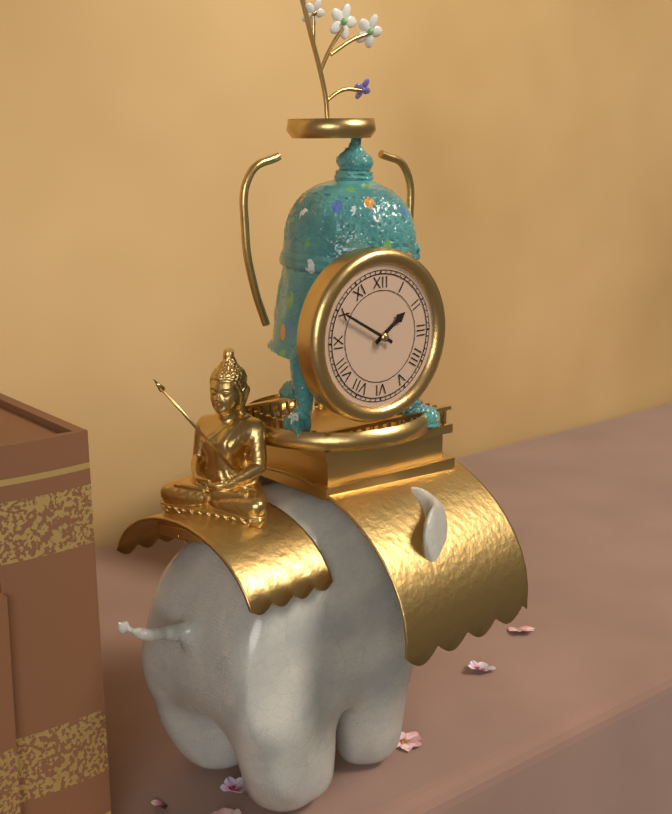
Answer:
h=1 m=50
